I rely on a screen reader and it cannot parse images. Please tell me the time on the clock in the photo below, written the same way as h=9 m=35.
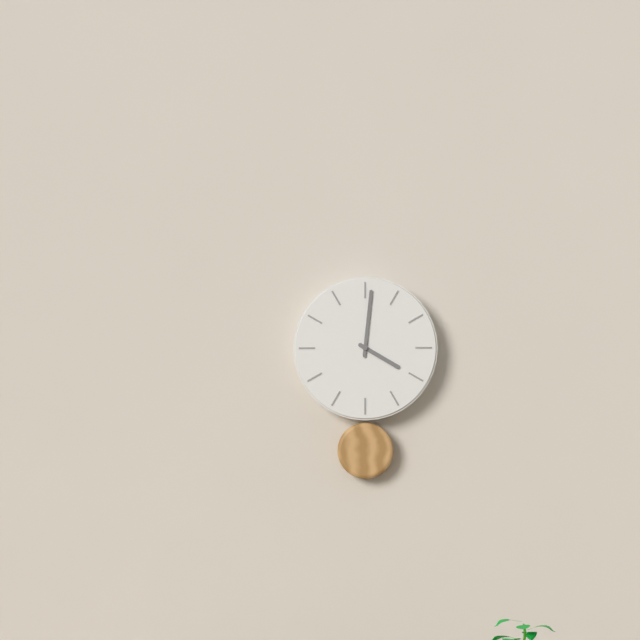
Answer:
h=4 m=1
